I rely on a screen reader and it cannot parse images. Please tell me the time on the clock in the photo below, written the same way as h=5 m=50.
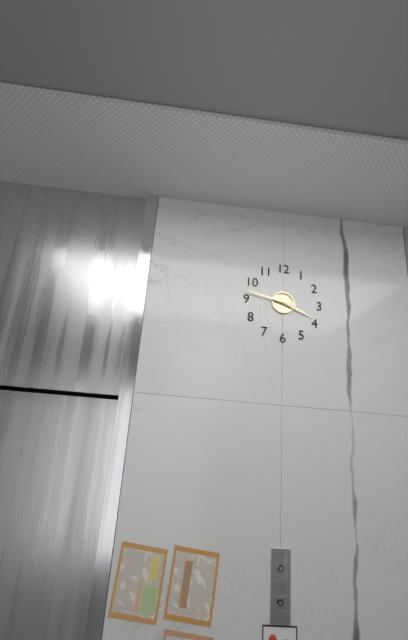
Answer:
h=3 m=47
